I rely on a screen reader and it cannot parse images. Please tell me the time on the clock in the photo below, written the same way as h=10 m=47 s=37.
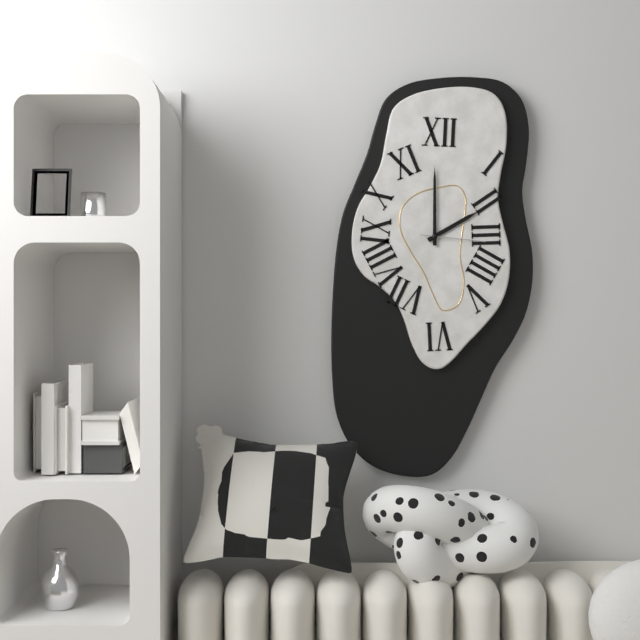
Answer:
h=2 m=0 s=16
